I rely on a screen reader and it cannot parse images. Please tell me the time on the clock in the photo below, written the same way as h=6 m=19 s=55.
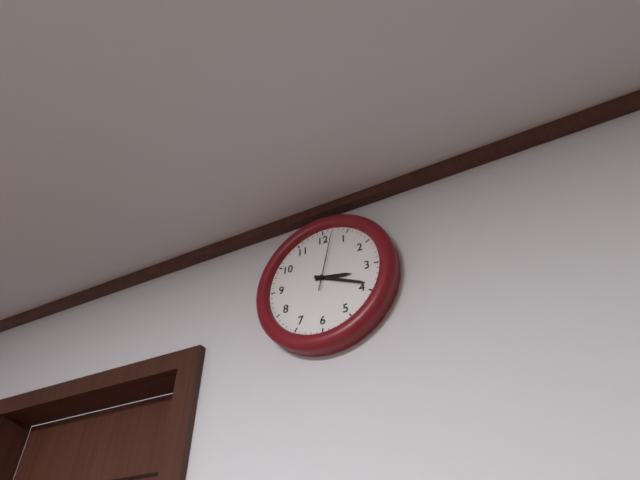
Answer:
h=3 m=19 s=2
